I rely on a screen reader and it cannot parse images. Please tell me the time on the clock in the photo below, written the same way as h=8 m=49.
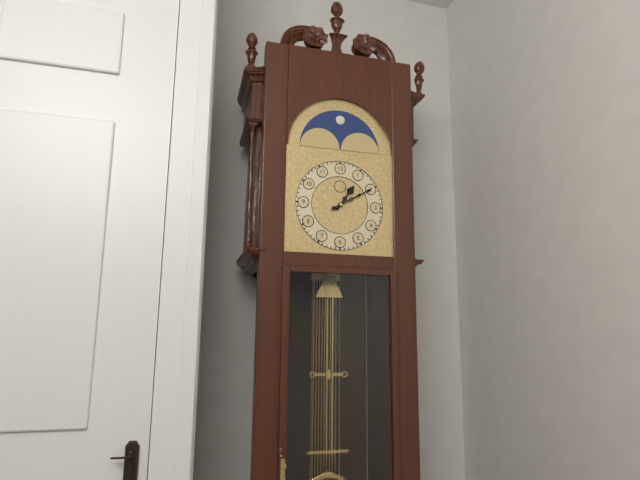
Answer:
h=1 m=10
